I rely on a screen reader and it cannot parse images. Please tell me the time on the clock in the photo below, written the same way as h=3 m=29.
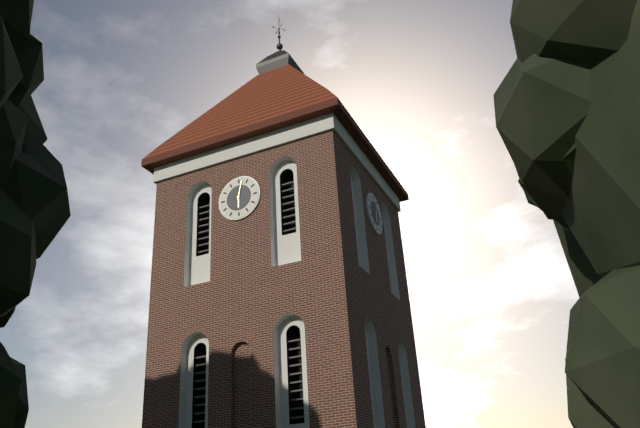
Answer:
h=6 m=2
